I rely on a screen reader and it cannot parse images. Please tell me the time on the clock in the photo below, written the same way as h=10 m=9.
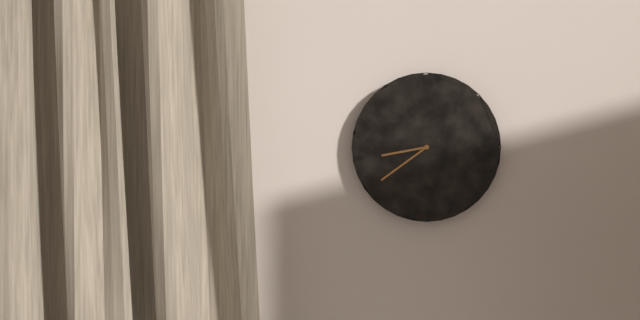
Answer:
h=8 m=39
